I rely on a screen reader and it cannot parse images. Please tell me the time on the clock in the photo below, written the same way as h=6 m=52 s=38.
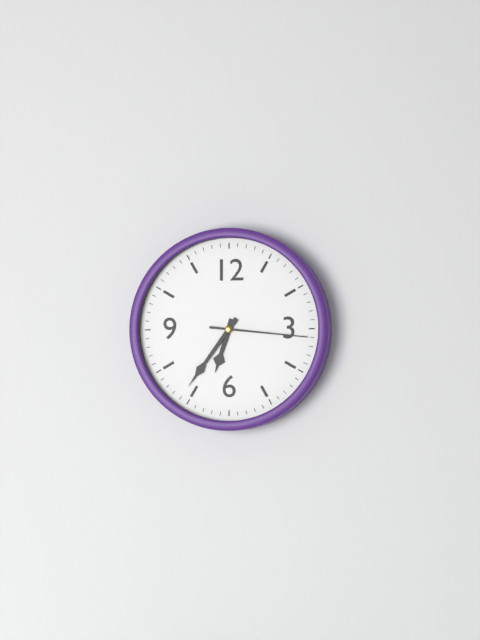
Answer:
h=6 m=36 s=16
